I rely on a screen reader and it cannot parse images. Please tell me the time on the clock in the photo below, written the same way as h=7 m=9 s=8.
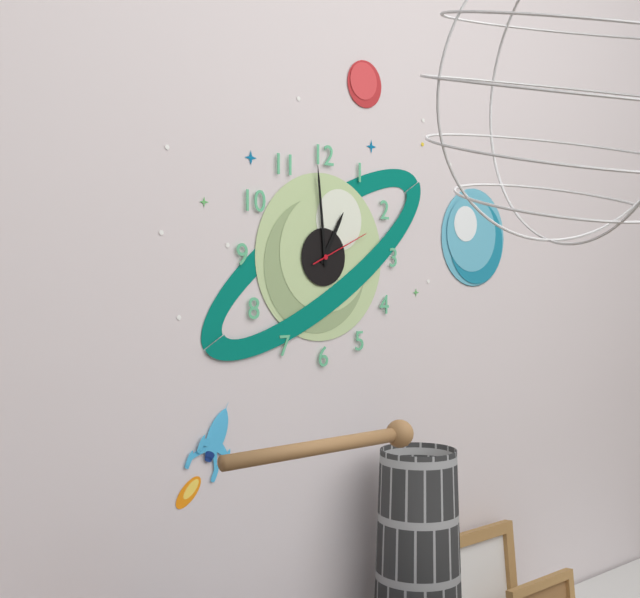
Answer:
h=12 m=59 s=11
